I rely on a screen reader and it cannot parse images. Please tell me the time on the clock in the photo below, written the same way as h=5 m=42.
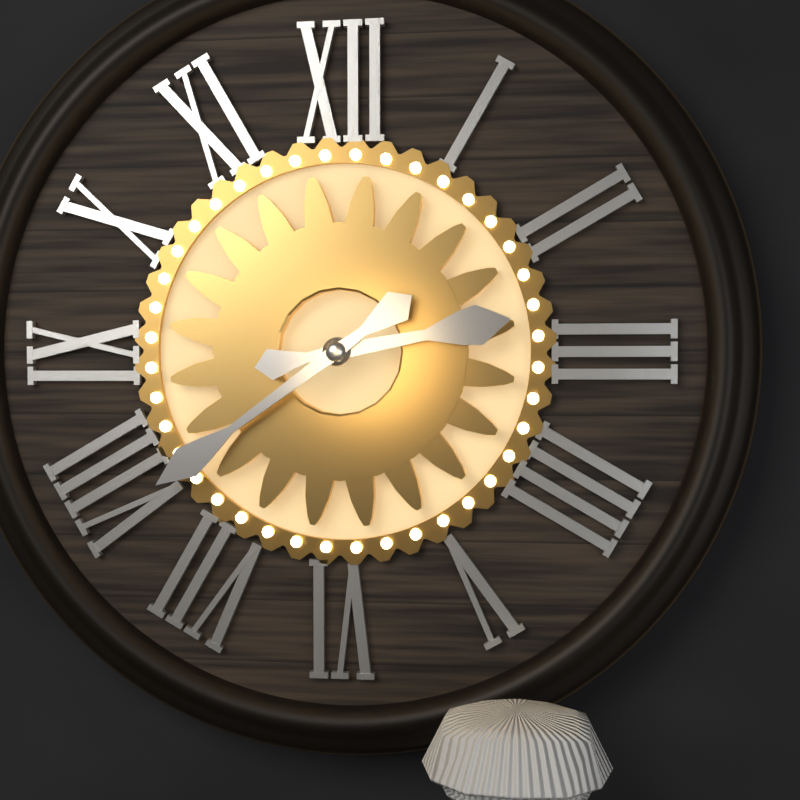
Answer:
h=2 m=39
